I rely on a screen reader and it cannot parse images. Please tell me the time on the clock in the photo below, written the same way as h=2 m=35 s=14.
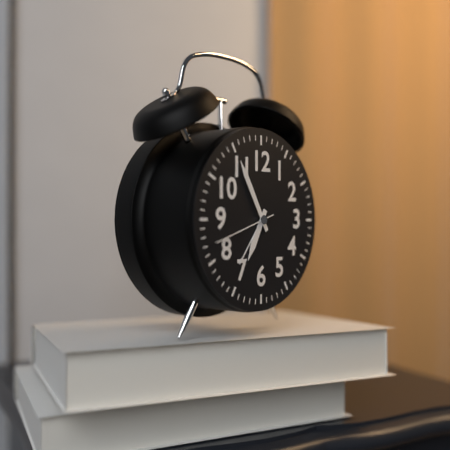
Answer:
h=6 m=55 s=42
